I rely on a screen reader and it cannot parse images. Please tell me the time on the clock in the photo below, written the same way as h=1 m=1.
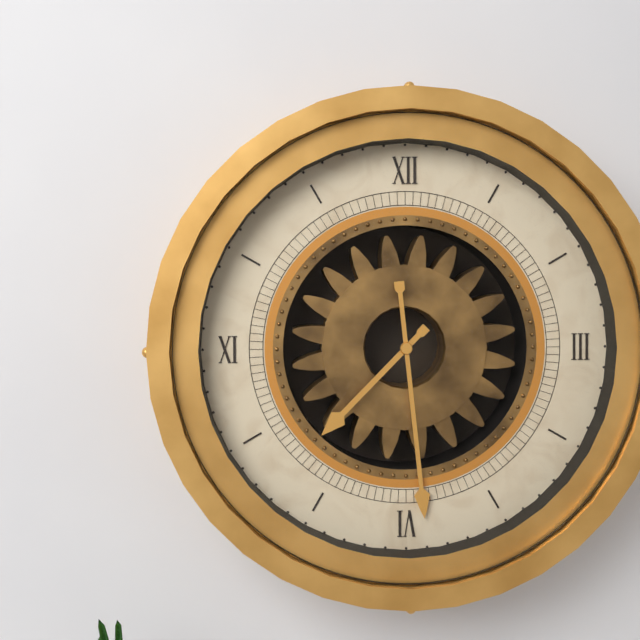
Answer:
h=7 m=29
